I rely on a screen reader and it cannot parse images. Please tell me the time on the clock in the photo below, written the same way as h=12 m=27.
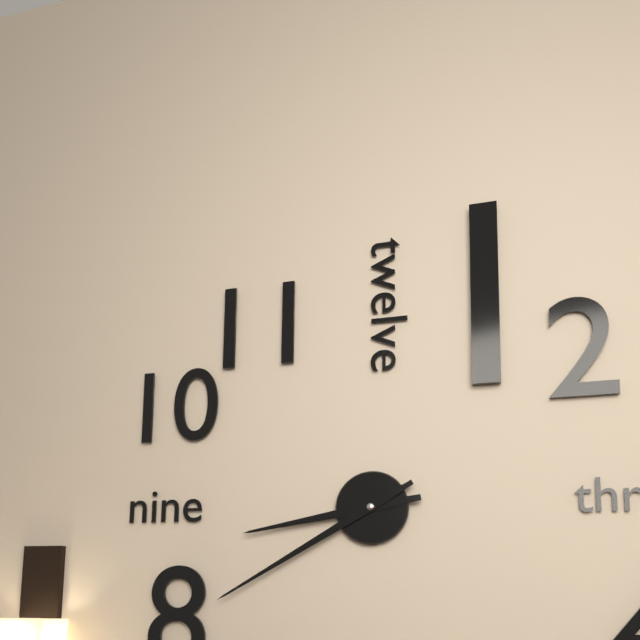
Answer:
h=8 m=40
